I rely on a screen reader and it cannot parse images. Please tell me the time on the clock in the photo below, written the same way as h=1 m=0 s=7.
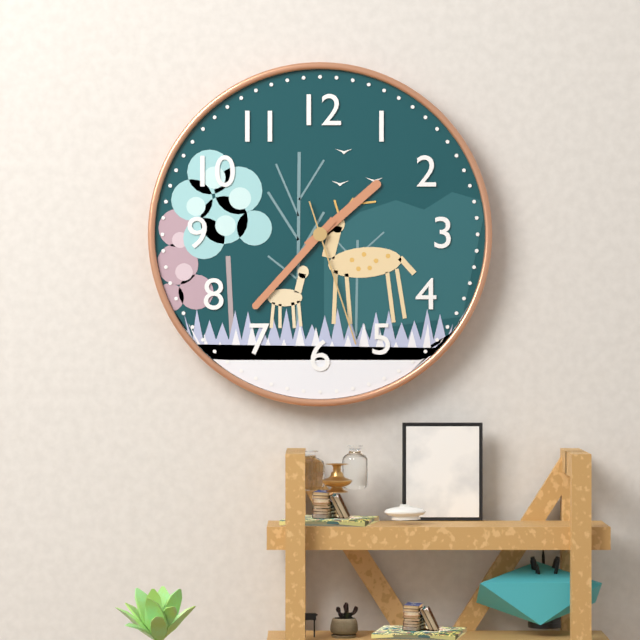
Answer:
h=1 m=37 s=27
